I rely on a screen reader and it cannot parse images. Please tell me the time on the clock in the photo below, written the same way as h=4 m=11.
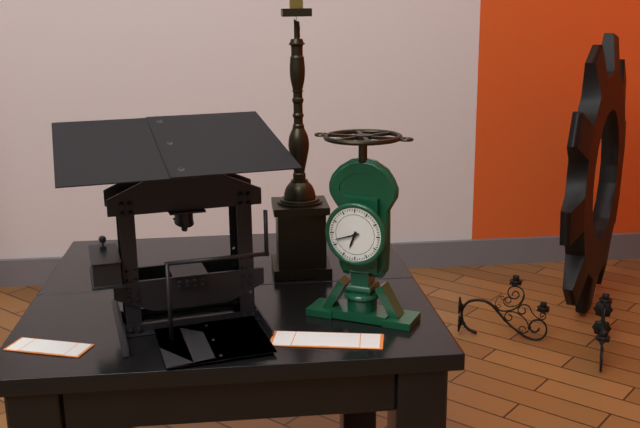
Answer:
h=6 m=42
